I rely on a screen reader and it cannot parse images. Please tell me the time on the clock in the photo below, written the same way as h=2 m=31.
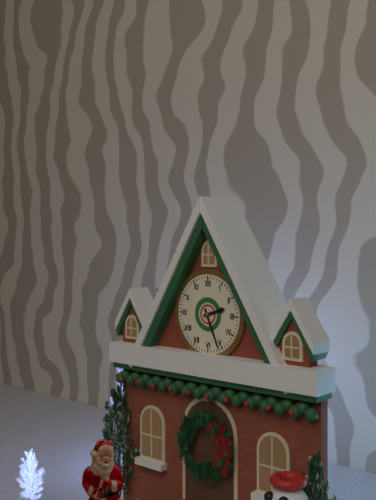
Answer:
h=2 m=26
